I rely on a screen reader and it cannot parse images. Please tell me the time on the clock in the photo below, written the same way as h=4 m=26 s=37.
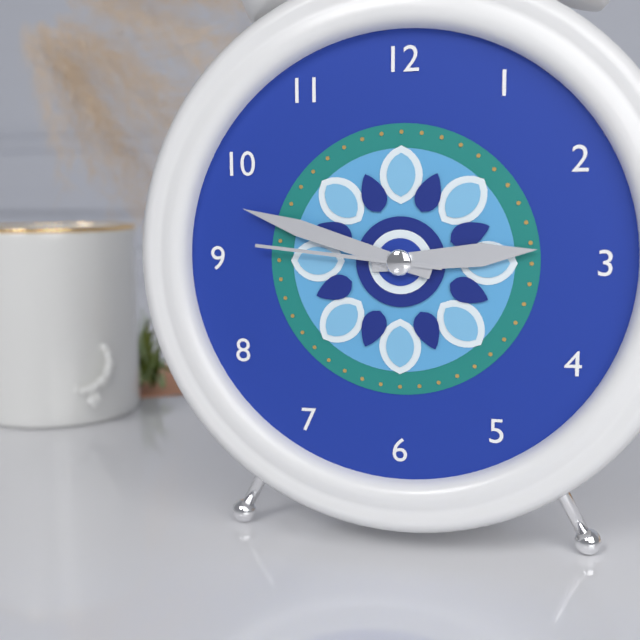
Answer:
h=2 m=48 s=46
